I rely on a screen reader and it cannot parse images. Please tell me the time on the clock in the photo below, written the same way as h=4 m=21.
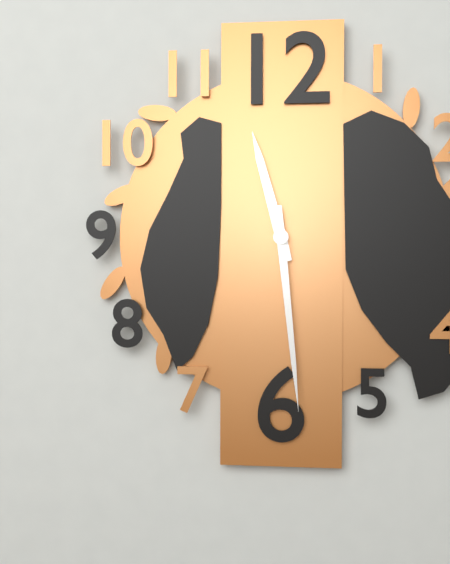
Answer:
h=11 m=29
